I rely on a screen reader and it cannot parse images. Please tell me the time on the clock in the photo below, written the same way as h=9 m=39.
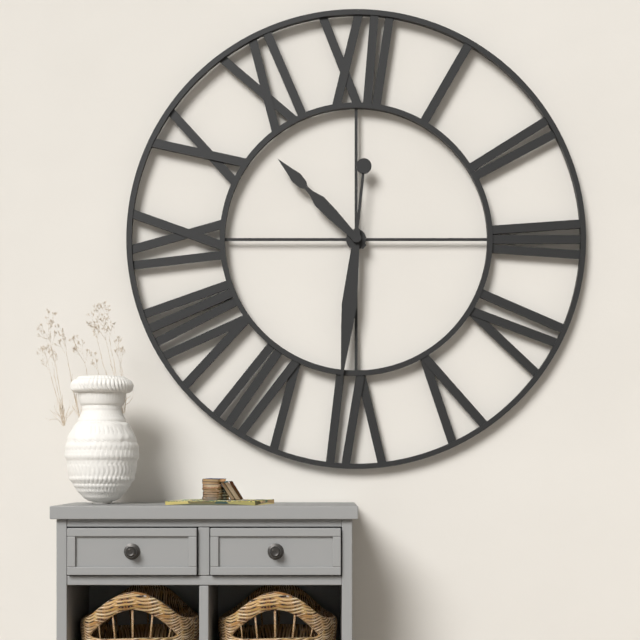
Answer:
h=10 m=31
